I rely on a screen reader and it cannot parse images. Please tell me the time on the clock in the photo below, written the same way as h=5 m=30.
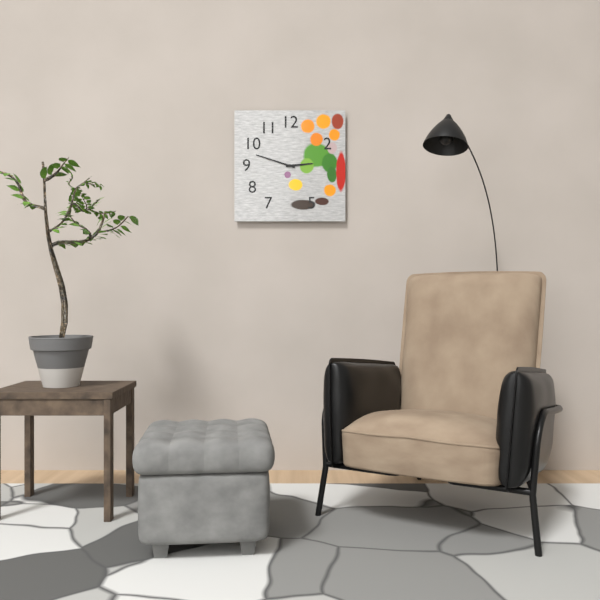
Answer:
h=2 m=48
